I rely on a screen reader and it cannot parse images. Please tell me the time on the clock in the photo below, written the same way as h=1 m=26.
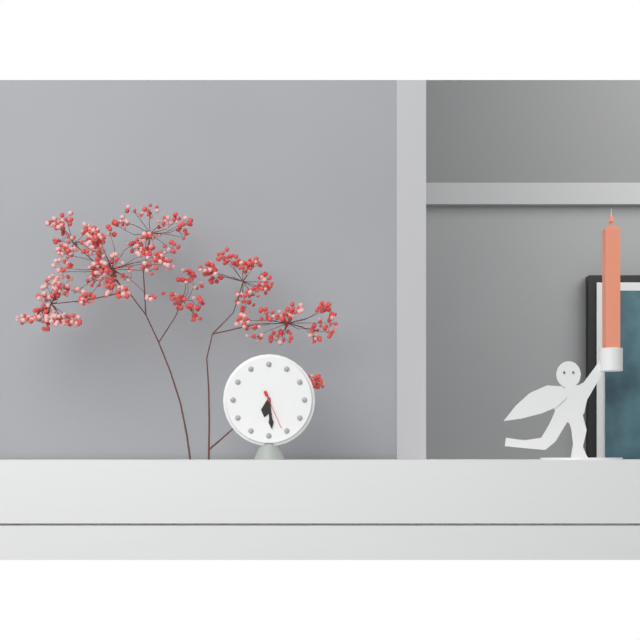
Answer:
h=6 m=29
